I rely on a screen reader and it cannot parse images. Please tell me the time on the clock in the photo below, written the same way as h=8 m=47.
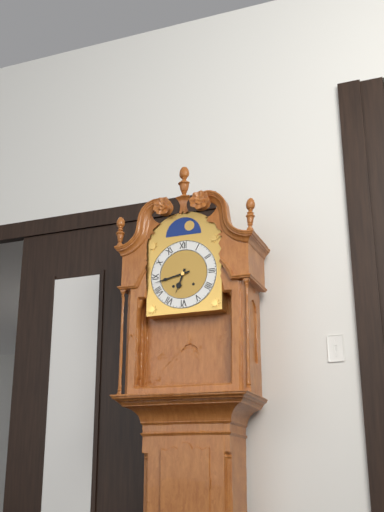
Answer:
h=6 m=43
